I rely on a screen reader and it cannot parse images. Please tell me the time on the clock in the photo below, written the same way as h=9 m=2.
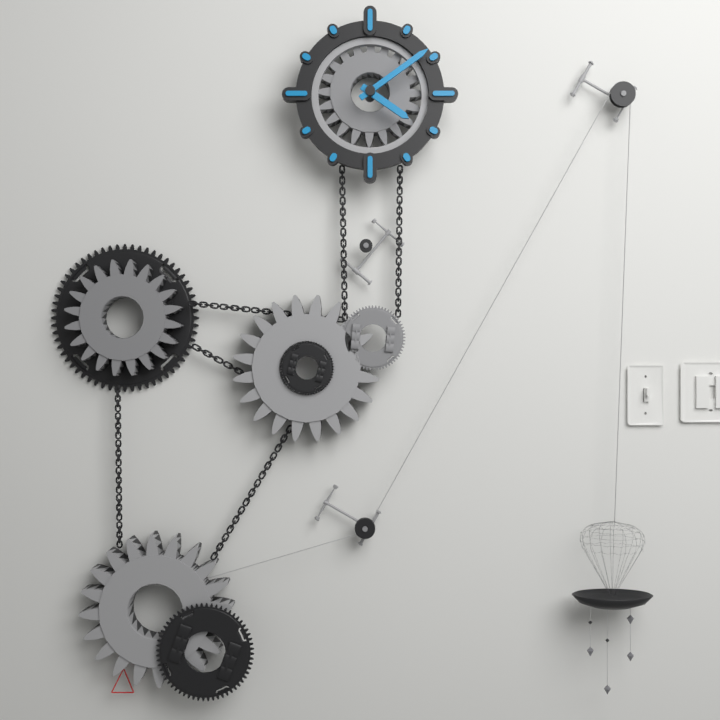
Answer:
h=4 m=9
